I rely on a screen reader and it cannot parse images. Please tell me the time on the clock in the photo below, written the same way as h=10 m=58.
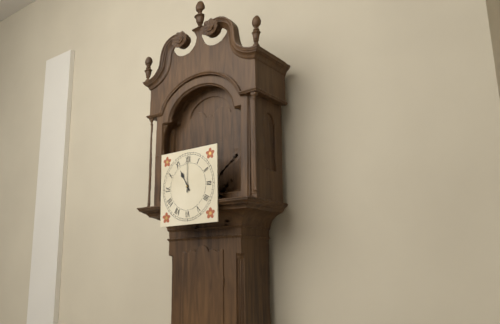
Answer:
h=11 m=0
